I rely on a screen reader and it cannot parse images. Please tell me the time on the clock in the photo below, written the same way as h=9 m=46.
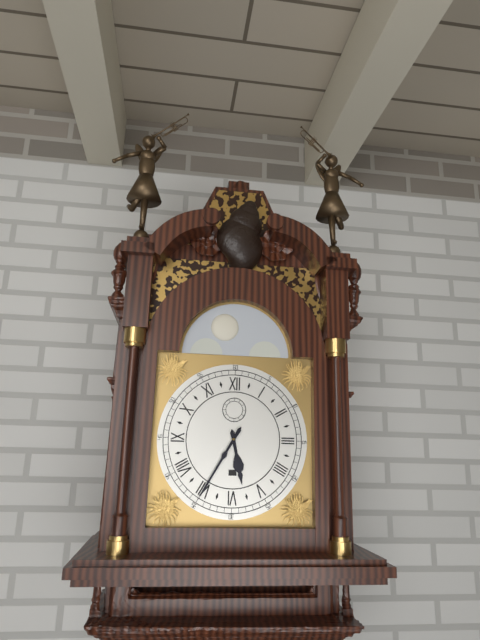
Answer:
h=5 m=35
